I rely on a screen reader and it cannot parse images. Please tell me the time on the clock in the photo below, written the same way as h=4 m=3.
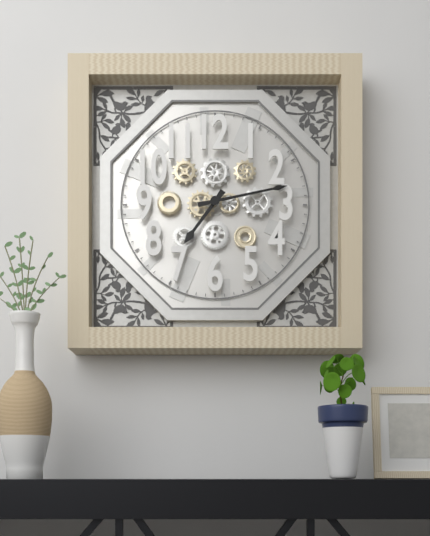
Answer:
h=7 m=13
